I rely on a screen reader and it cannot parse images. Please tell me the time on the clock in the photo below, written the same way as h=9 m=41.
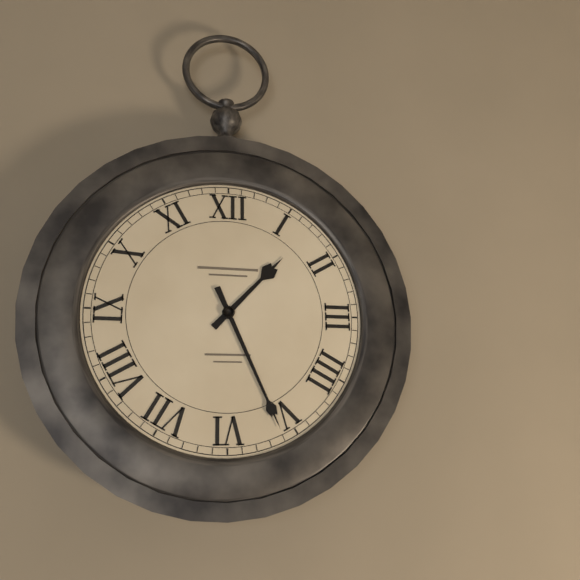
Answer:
h=1 m=26
